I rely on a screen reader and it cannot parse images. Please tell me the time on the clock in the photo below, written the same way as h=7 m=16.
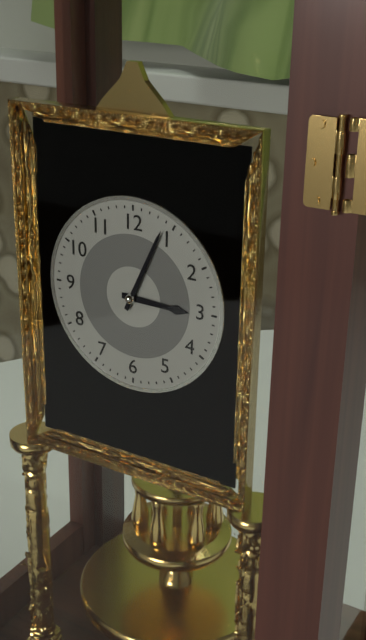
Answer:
h=3 m=4
